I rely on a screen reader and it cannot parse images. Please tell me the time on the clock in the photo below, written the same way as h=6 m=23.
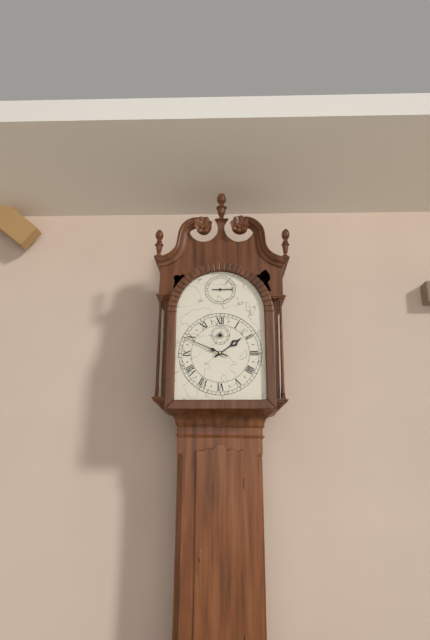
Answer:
h=1 m=49
